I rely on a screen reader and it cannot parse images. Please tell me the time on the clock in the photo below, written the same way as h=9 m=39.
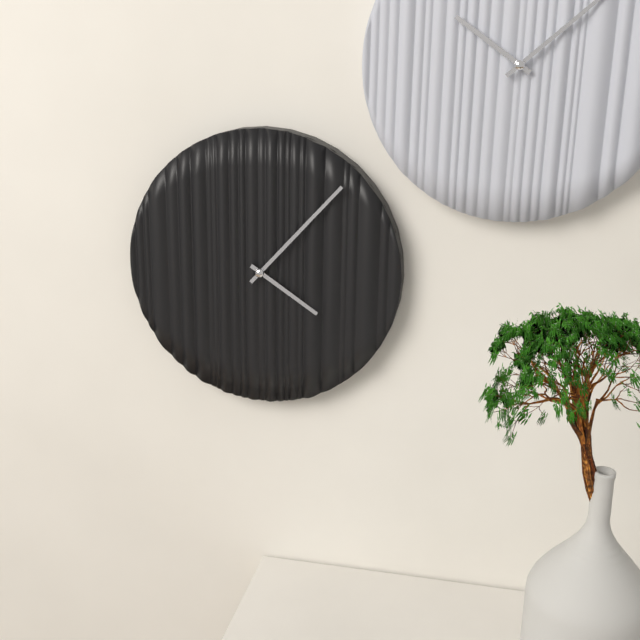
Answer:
h=4 m=7
